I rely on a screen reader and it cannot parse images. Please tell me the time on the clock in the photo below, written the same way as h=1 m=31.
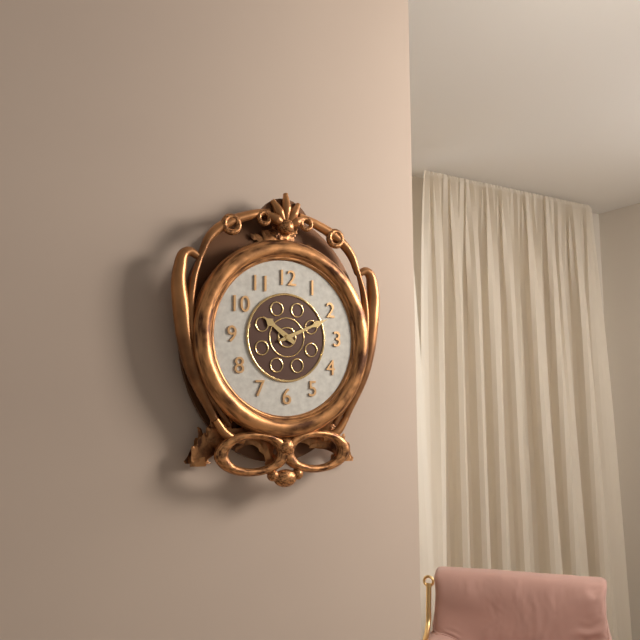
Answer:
h=10 m=11
